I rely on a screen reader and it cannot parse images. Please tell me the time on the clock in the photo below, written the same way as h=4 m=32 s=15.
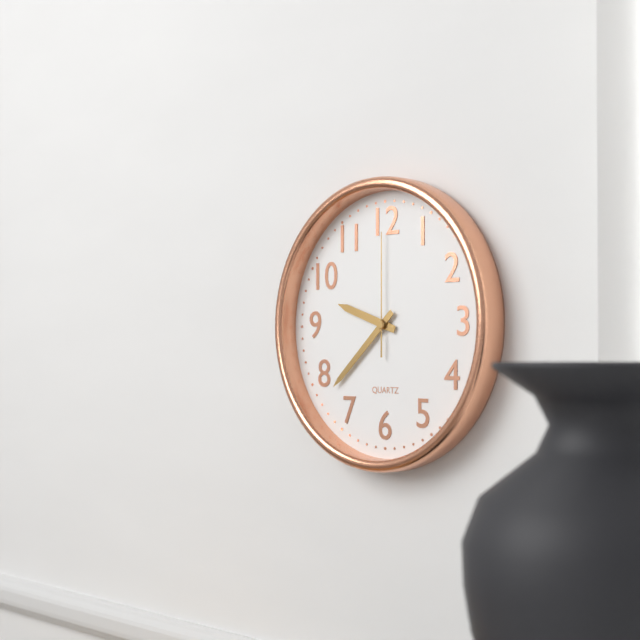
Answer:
h=9 m=38 s=0
